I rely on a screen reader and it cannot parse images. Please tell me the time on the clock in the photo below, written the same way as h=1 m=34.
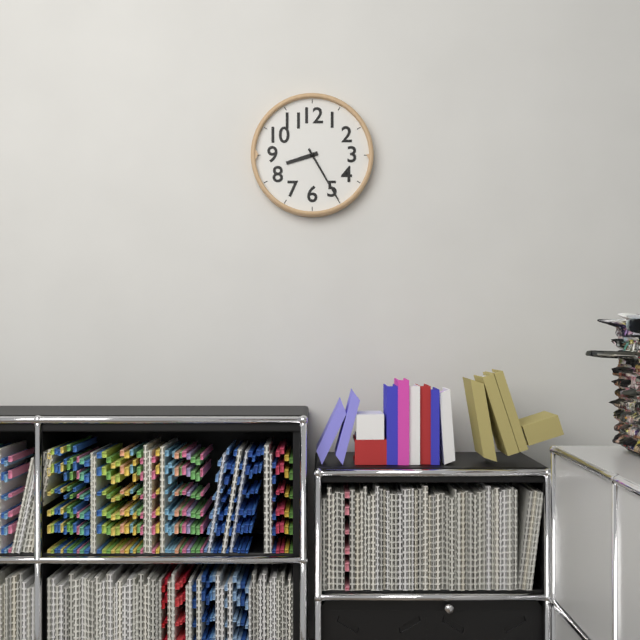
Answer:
h=8 m=25
